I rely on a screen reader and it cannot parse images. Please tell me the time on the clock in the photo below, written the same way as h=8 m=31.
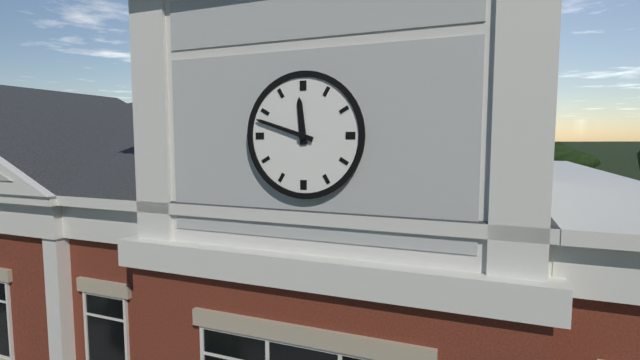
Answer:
h=11 m=48
